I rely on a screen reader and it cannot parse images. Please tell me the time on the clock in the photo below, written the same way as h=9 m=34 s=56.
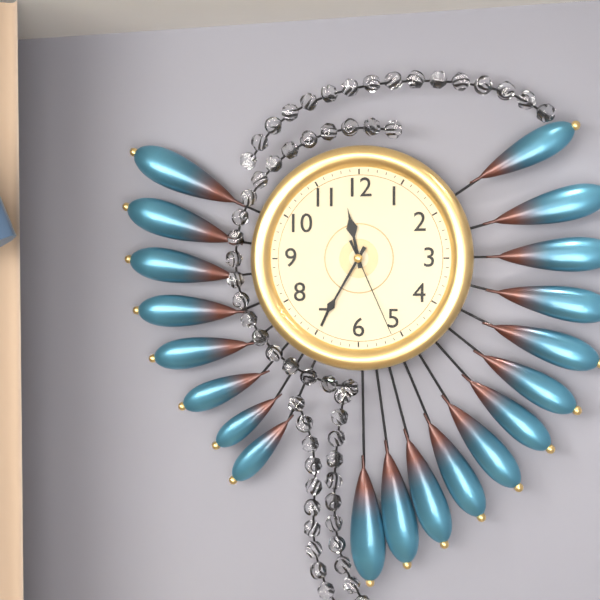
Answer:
h=11 m=35 s=26
